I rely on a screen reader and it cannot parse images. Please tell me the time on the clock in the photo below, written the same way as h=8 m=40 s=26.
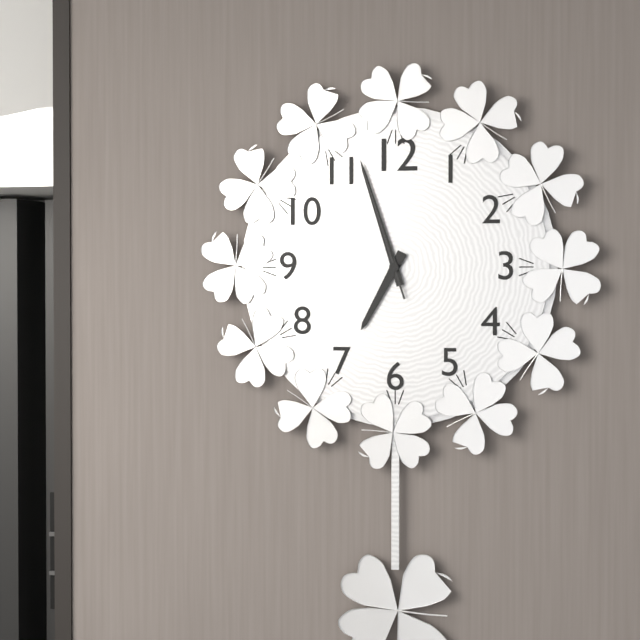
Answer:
h=6 m=57 s=57
